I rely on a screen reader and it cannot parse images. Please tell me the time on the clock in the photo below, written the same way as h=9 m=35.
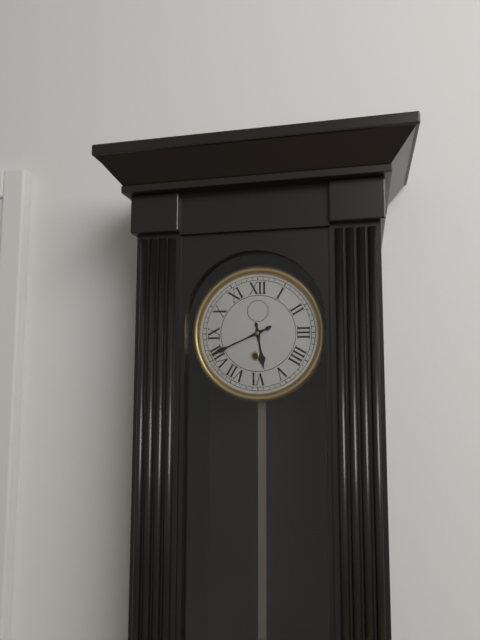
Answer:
h=5 m=41
